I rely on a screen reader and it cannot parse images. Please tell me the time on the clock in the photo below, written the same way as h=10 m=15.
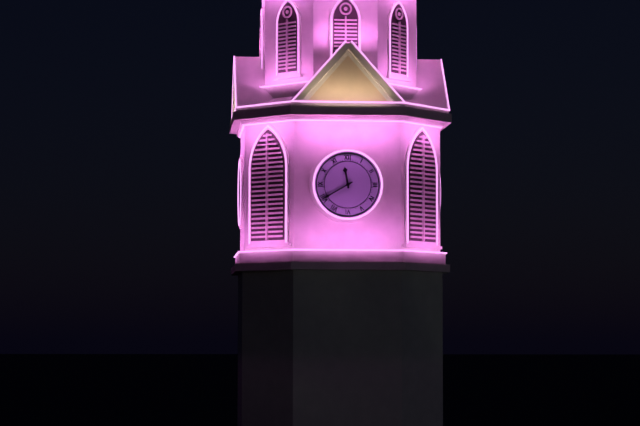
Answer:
h=11 m=40
